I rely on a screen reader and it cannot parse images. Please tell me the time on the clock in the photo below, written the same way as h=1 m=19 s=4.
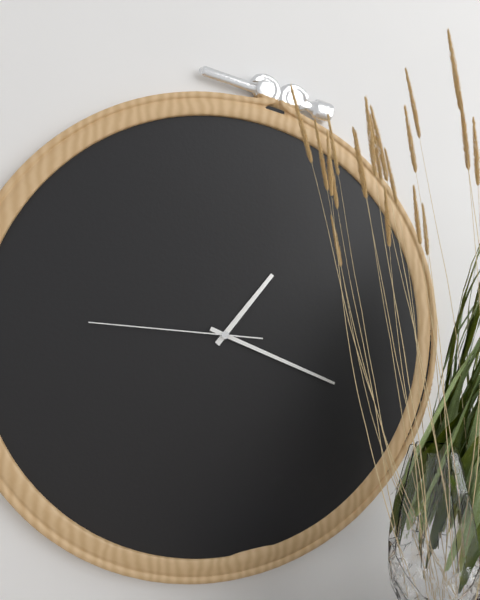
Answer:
h=1 m=19 s=46
